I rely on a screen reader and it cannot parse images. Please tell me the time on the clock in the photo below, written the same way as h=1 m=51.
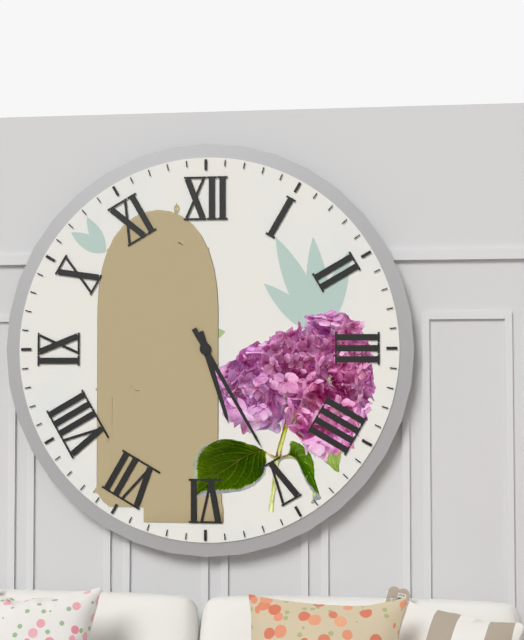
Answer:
h=5 m=25
